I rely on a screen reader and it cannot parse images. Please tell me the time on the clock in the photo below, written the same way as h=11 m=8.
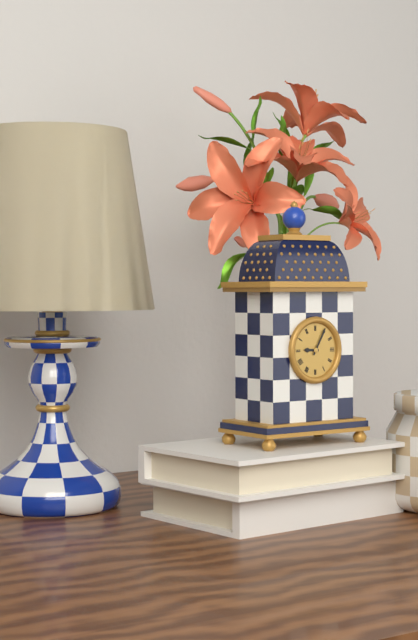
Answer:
h=9 m=5
